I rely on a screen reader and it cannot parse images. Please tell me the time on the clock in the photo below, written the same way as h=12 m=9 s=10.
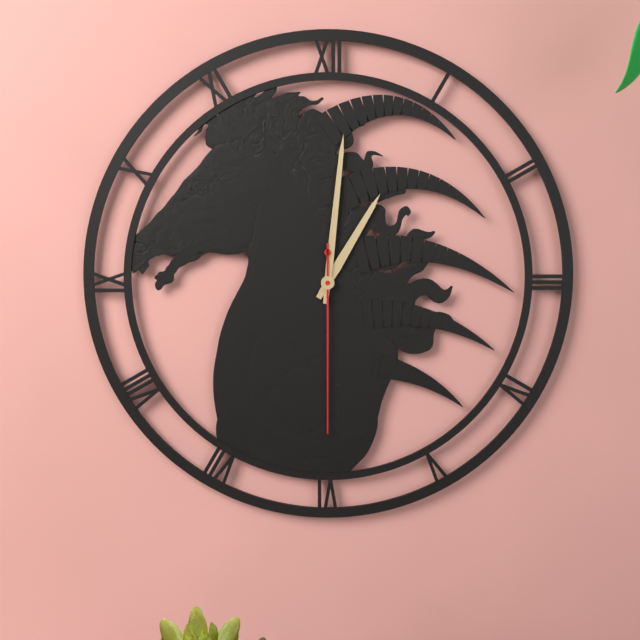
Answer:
h=1 m=1 s=30
